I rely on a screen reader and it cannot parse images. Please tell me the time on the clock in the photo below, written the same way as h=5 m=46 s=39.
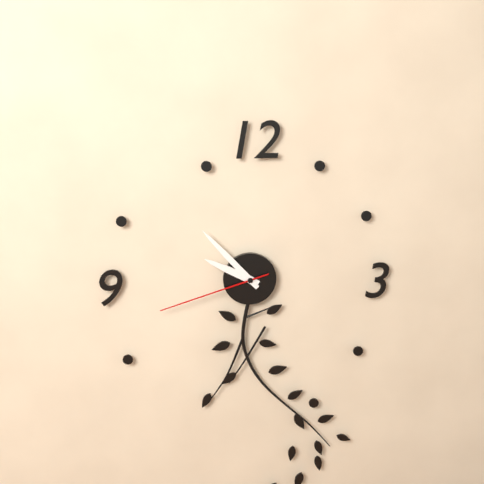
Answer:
h=9 m=53 s=42
